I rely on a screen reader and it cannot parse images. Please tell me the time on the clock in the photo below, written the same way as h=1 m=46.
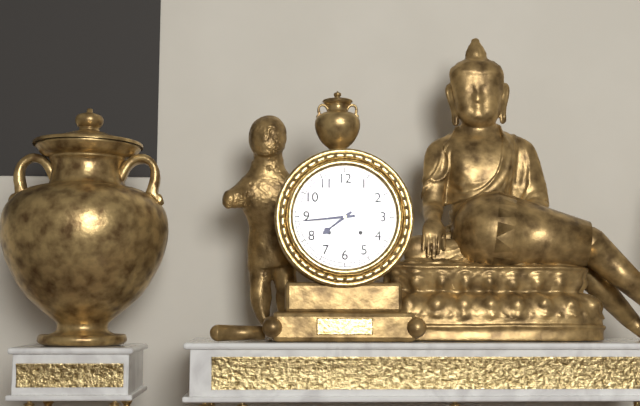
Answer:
h=7 m=44
